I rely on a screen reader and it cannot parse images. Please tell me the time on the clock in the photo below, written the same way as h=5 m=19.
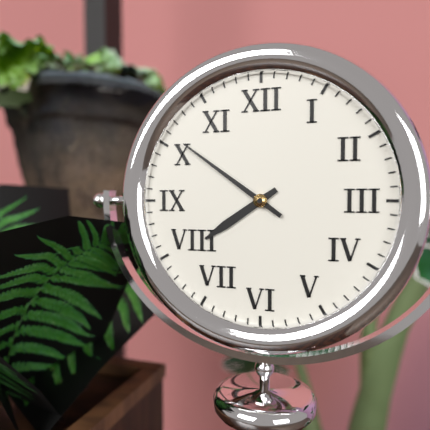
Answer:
h=7 m=51
